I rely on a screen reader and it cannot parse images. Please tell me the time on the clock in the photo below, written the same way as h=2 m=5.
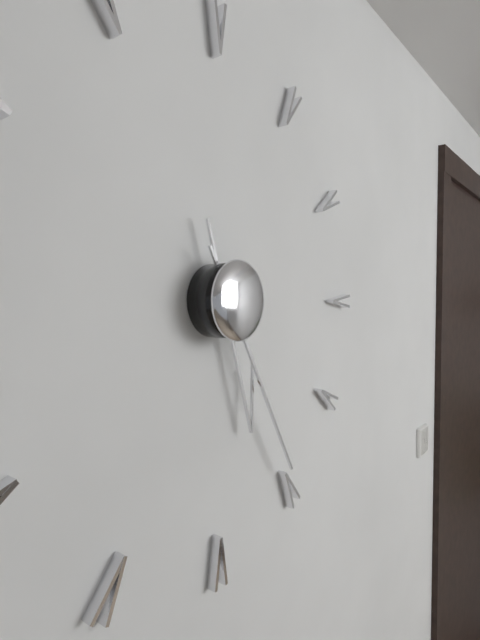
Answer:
h=5 m=25
